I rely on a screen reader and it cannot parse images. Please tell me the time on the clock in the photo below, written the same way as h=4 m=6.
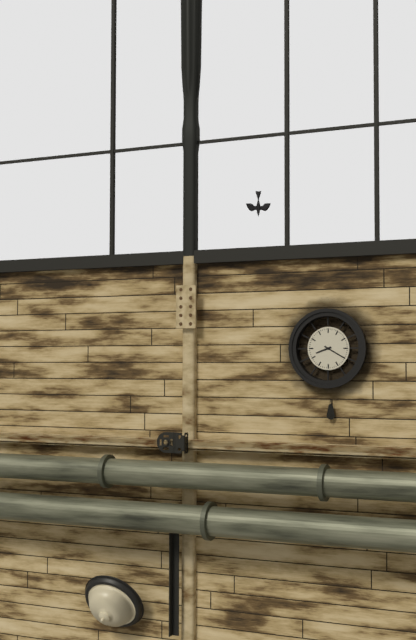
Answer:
h=8 m=20
